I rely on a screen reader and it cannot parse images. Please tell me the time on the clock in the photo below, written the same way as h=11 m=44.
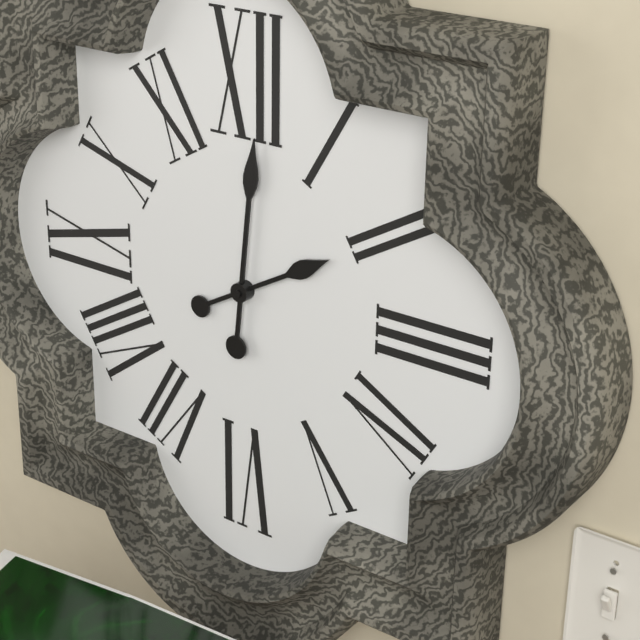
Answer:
h=2 m=1
